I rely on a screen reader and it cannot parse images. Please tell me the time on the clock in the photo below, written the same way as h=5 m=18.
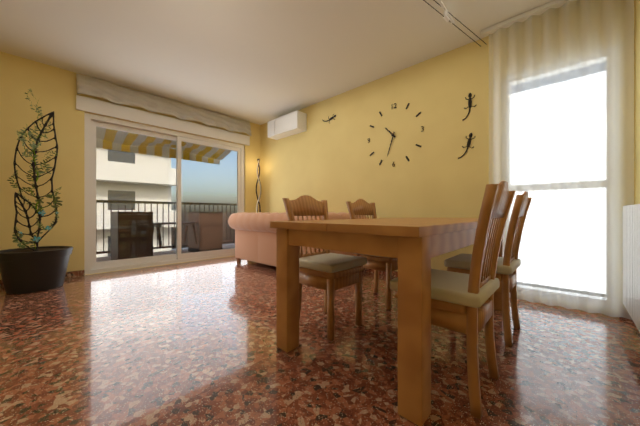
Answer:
h=10 m=33
